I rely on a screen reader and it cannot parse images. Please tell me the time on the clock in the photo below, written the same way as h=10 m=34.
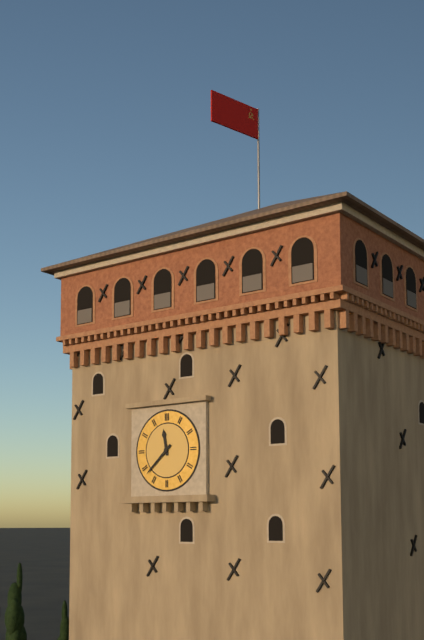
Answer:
h=11 m=38
